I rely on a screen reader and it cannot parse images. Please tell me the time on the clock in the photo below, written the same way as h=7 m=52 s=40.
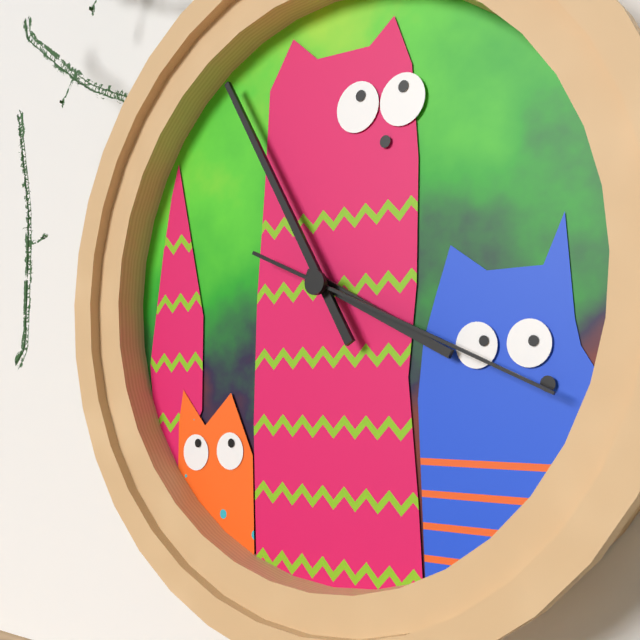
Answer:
h=3 m=55 s=19
